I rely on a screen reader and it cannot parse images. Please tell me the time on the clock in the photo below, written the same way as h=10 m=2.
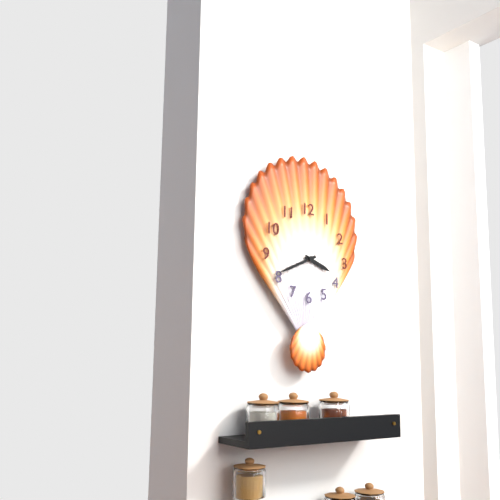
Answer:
h=3 m=41
